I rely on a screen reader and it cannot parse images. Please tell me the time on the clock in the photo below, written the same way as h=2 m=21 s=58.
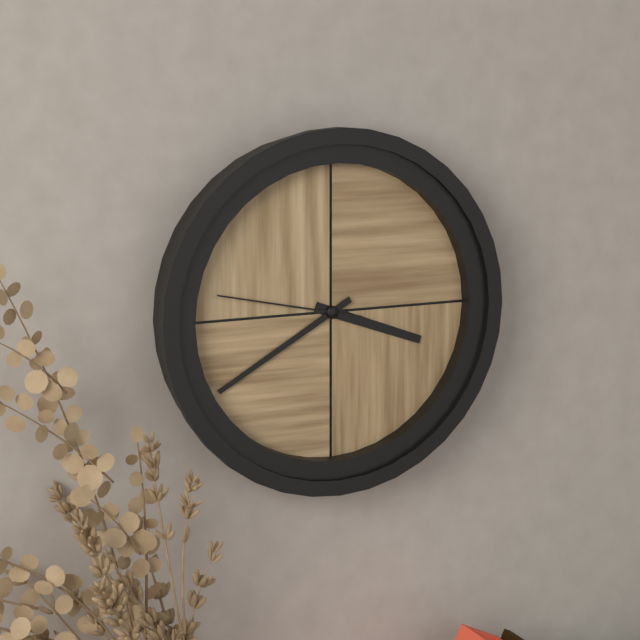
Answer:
h=3 m=40 s=47
